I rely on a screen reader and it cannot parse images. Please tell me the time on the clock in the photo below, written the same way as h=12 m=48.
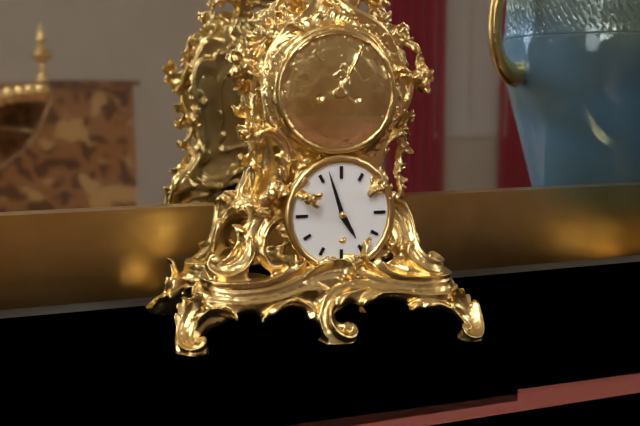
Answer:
h=4 m=57
